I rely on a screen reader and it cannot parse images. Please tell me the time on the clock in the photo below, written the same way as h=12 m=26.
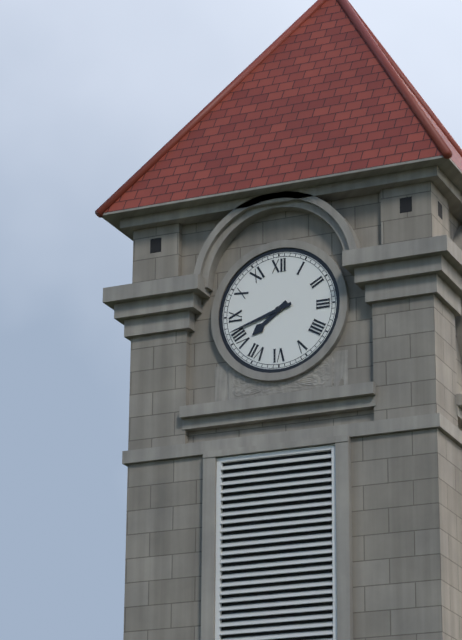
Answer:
h=7 m=42
